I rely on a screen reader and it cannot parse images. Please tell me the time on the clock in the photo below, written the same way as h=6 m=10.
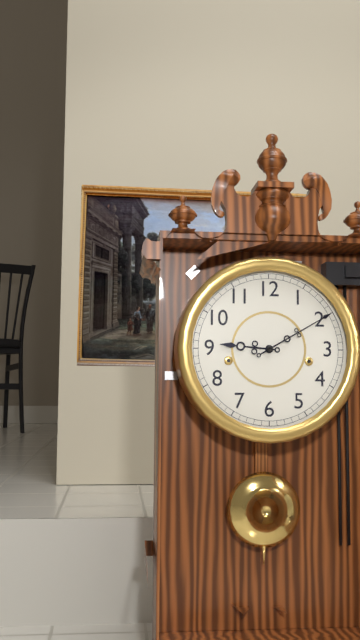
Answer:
h=9 m=10
